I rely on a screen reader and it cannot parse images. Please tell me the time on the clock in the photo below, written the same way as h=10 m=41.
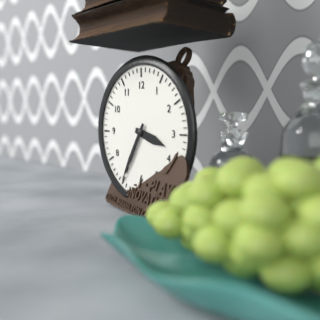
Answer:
h=3 m=35
